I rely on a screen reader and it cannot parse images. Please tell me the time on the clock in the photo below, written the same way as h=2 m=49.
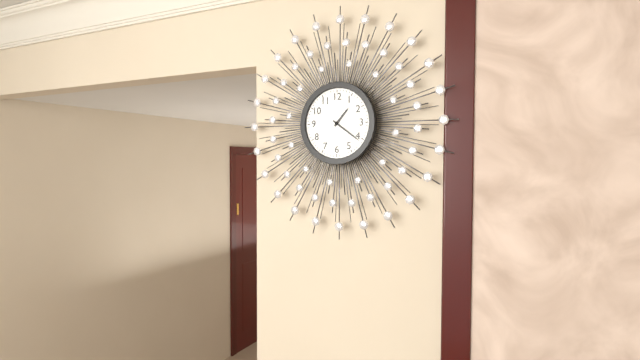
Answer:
h=1 m=21
